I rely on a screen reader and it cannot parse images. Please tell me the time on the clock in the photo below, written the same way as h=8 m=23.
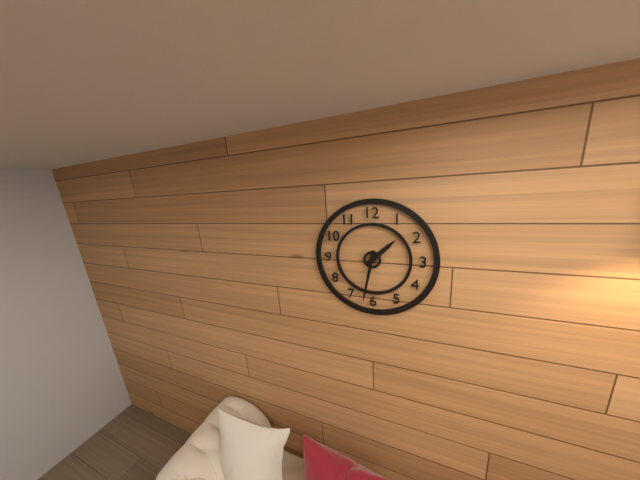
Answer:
h=1 m=32
